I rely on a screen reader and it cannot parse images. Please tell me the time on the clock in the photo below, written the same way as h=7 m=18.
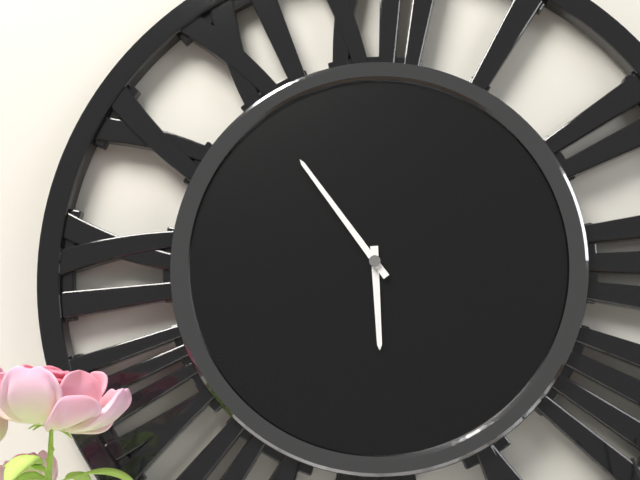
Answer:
h=5 m=54
